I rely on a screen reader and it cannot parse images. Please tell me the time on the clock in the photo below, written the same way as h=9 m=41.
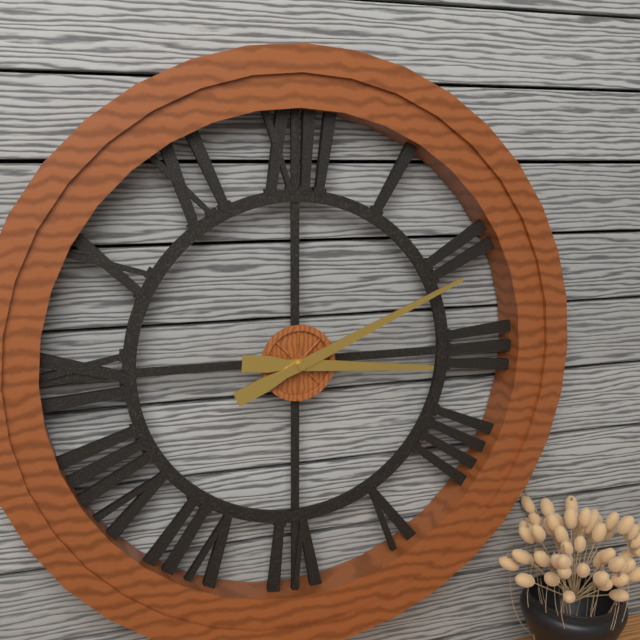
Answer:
h=3 m=11
